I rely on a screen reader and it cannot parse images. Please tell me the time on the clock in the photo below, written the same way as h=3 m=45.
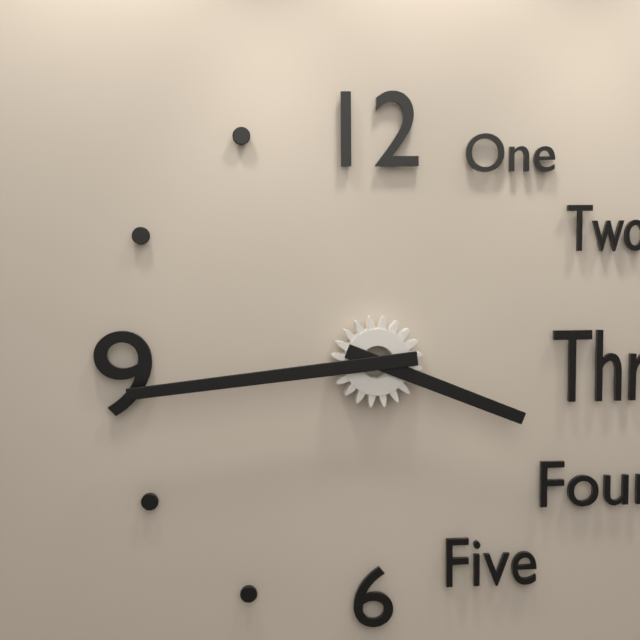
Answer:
h=3 m=44
